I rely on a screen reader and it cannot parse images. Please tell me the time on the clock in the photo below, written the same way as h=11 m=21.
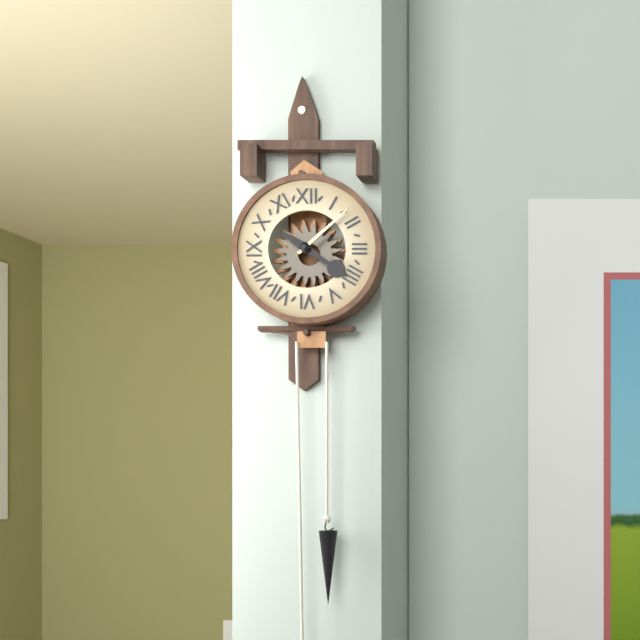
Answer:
h=4 m=8
